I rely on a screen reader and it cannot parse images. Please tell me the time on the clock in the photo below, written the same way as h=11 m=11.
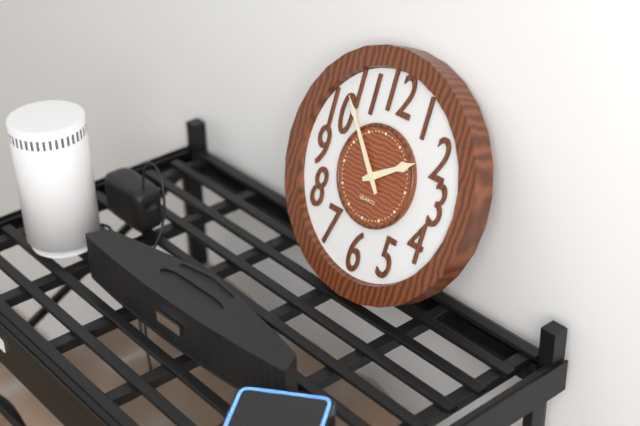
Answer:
h=1 m=53
